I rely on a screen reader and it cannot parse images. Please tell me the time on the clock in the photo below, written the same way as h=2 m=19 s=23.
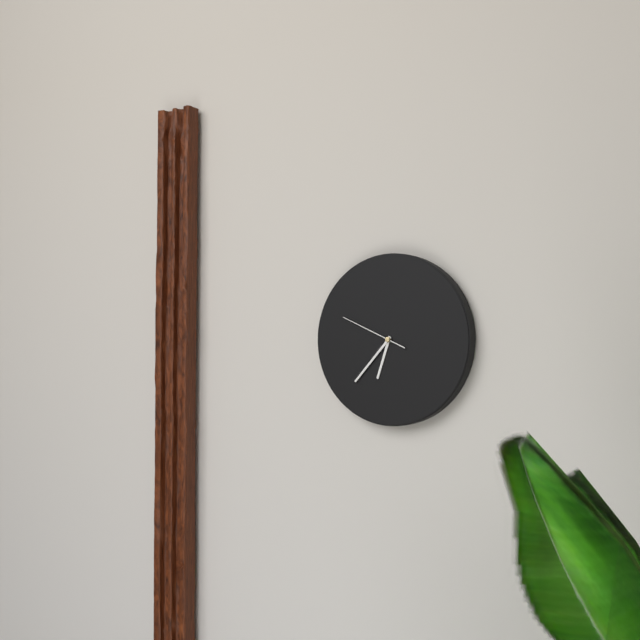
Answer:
h=6 m=37 s=49
